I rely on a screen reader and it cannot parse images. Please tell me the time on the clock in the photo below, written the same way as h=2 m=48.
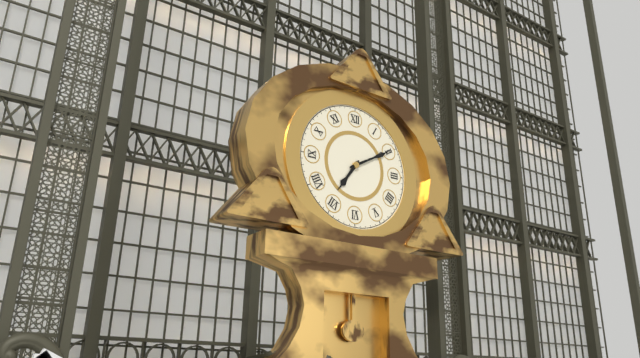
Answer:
h=7 m=10
